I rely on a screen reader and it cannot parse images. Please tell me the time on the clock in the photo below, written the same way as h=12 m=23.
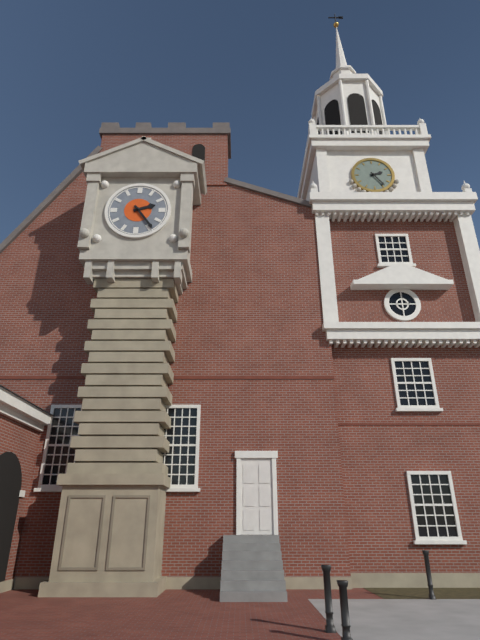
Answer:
h=2 m=24
